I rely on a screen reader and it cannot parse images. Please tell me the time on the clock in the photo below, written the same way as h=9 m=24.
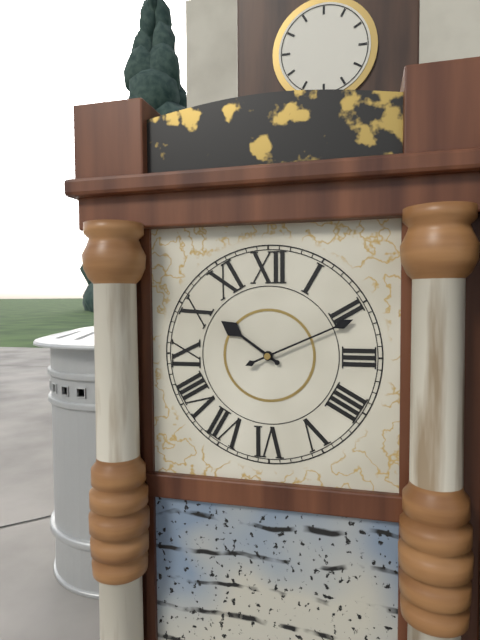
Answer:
h=10 m=11
